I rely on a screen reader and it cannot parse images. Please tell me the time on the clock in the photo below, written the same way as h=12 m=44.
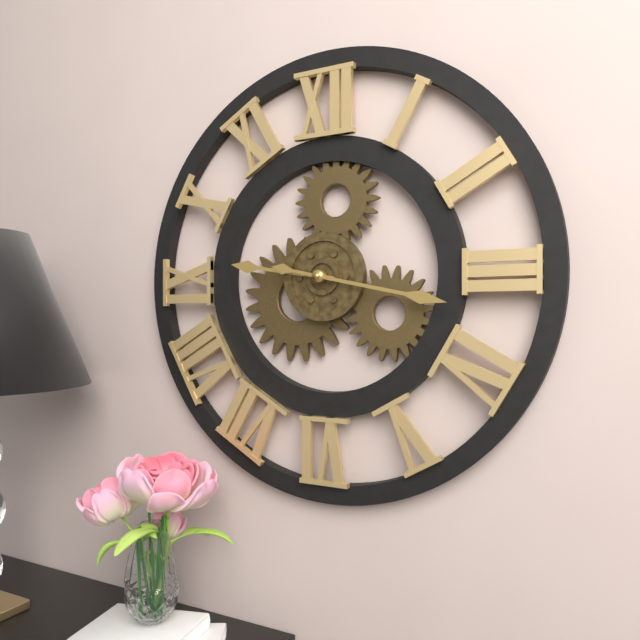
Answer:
h=9 m=17
